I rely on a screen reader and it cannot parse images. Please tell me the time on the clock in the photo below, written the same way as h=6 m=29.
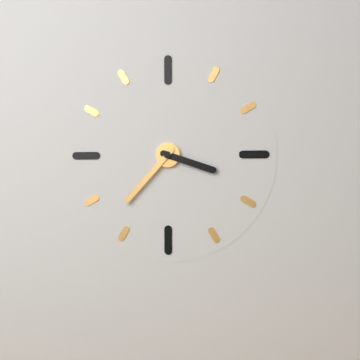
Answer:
h=3 m=37
